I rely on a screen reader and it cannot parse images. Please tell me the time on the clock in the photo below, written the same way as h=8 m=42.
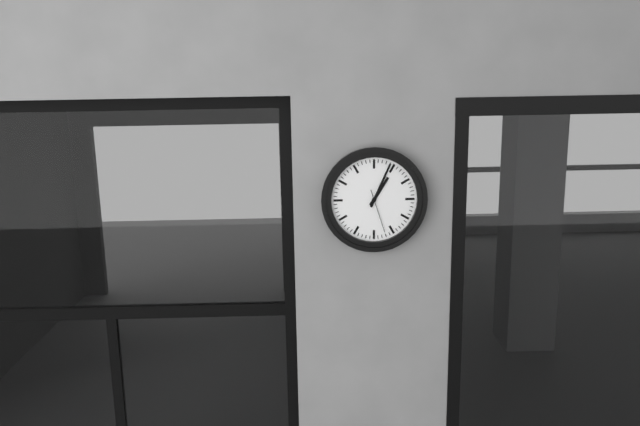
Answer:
h=1 m=4
